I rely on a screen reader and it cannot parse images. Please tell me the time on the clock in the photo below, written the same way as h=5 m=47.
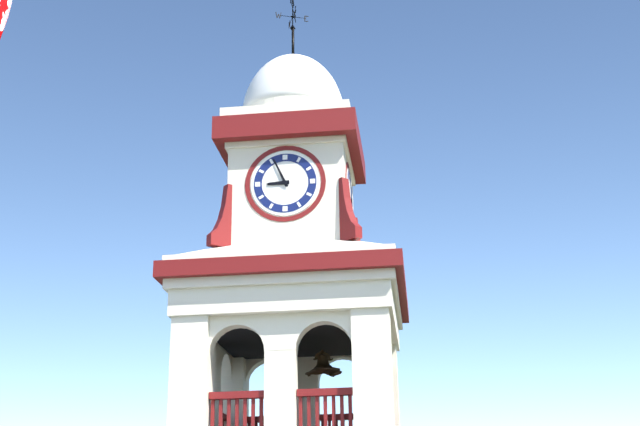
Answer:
h=8 m=56
